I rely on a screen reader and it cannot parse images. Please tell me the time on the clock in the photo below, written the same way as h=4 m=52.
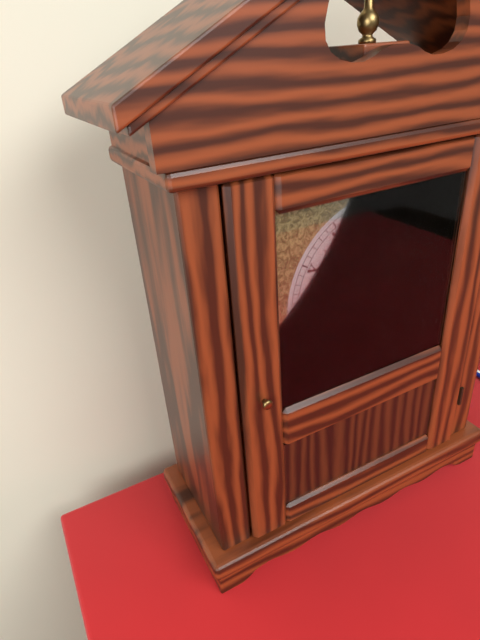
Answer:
h=4 m=2
